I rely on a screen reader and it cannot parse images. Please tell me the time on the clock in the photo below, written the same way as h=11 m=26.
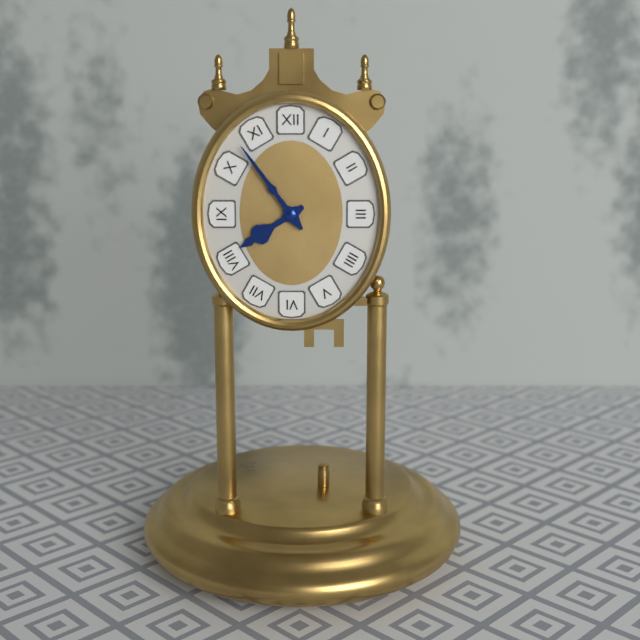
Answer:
h=7 m=54
